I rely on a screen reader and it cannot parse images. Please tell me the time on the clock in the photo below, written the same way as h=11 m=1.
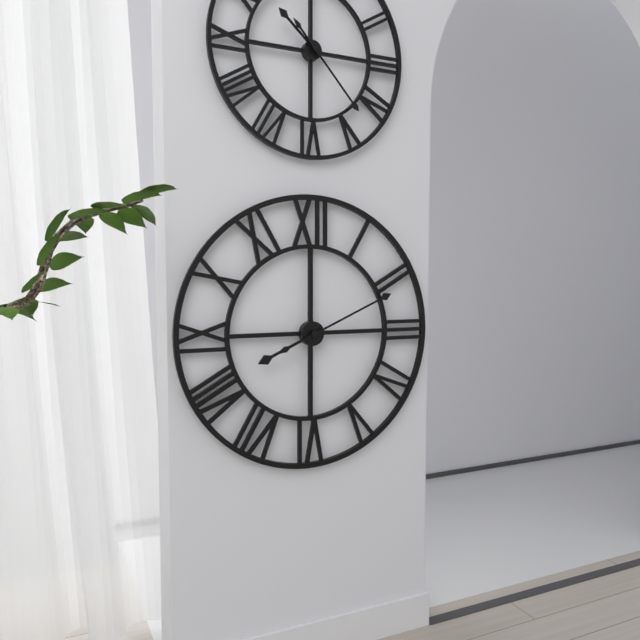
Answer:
h=8 m=11
